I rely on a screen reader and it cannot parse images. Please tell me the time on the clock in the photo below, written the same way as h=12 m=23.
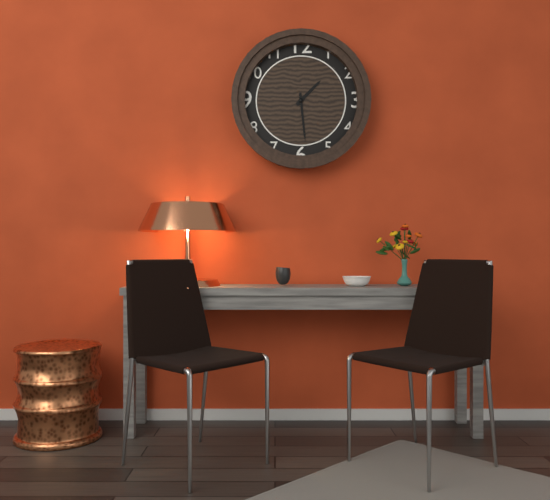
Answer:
h=1 m=29
